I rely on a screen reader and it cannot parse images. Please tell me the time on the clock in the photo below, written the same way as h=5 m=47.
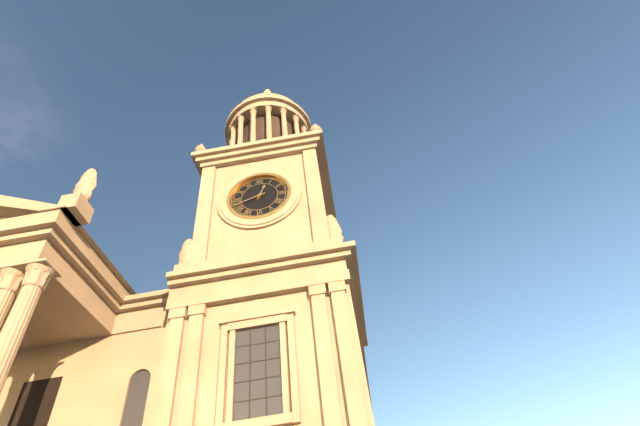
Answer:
h=12 m=42
